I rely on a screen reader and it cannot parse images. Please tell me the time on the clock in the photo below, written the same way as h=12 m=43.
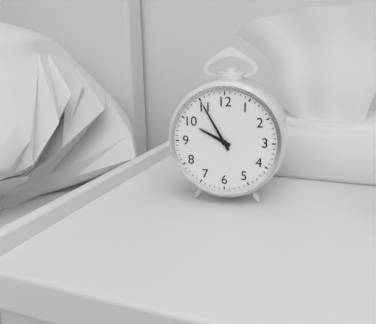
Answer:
h=9 m=55
